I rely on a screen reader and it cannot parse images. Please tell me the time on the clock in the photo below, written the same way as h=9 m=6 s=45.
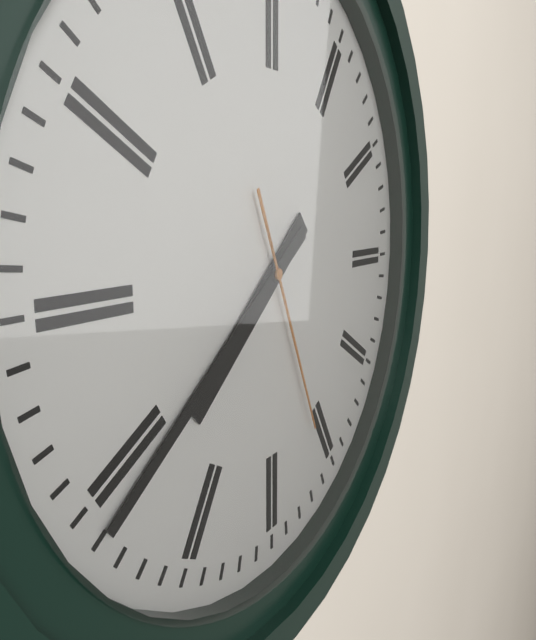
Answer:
h=7 m=39 s=26
